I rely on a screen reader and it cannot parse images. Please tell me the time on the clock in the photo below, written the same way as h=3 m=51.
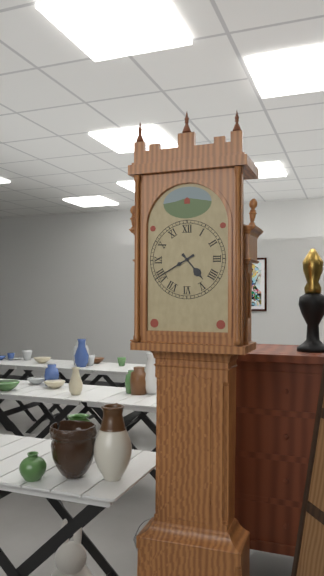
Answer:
h=4 m=40
